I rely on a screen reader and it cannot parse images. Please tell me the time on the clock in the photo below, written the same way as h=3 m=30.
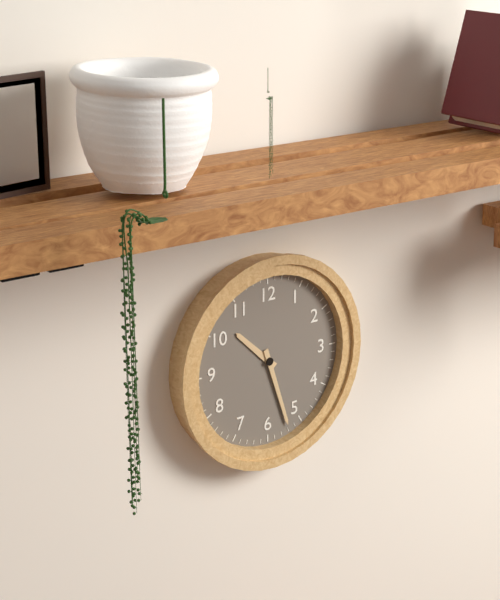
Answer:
h=10 m=27
